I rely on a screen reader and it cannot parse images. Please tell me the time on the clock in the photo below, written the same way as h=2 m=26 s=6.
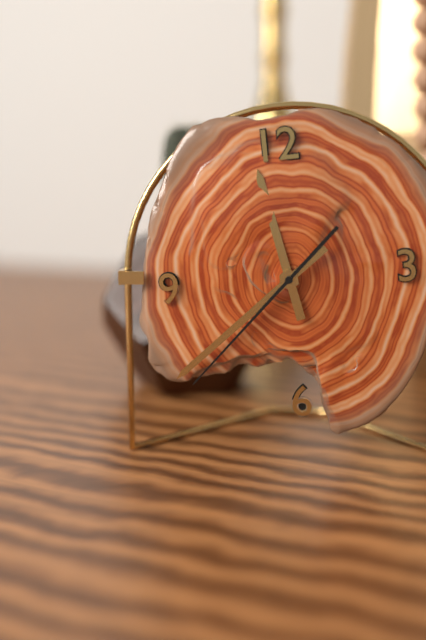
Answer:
h=11 m=39 s=38
